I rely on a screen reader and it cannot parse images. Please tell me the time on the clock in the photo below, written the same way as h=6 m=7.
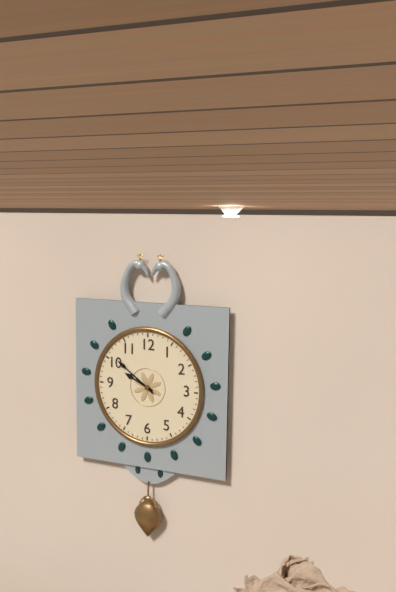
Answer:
h=9 m=51
